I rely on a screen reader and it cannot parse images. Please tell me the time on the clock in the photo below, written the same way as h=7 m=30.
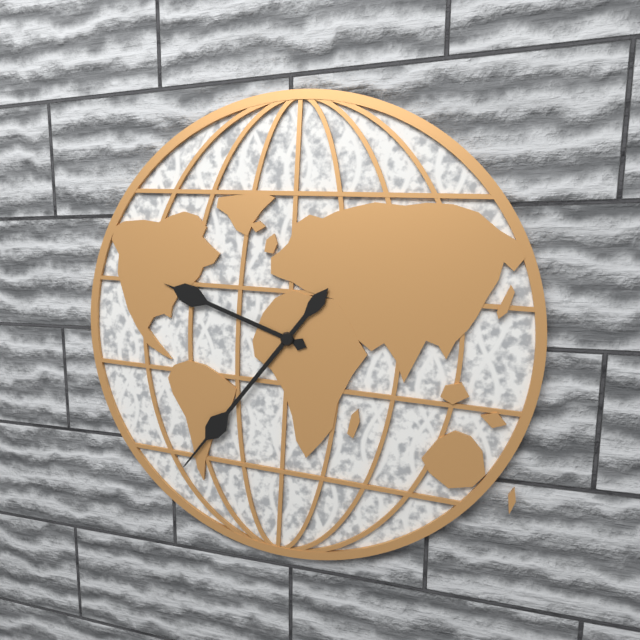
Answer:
h=9 m=36
